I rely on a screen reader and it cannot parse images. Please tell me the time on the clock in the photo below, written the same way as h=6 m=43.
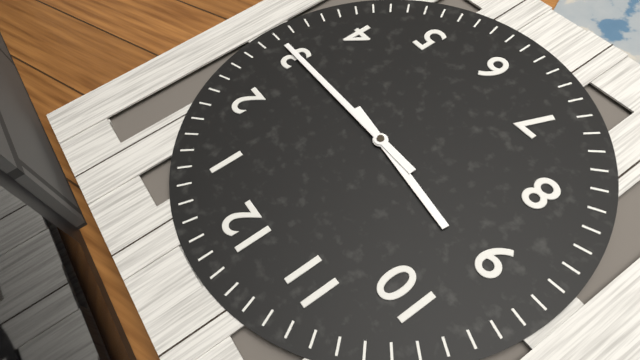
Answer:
h=9 m=15
